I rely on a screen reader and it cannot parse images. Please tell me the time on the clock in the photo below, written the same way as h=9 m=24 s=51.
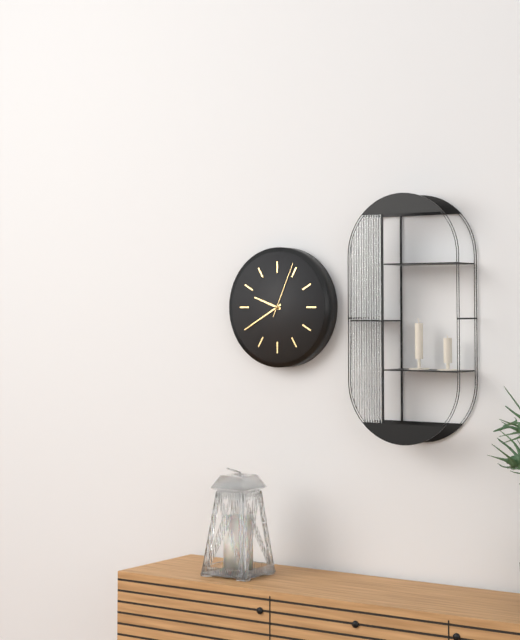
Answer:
h=9 m=40 s=4
